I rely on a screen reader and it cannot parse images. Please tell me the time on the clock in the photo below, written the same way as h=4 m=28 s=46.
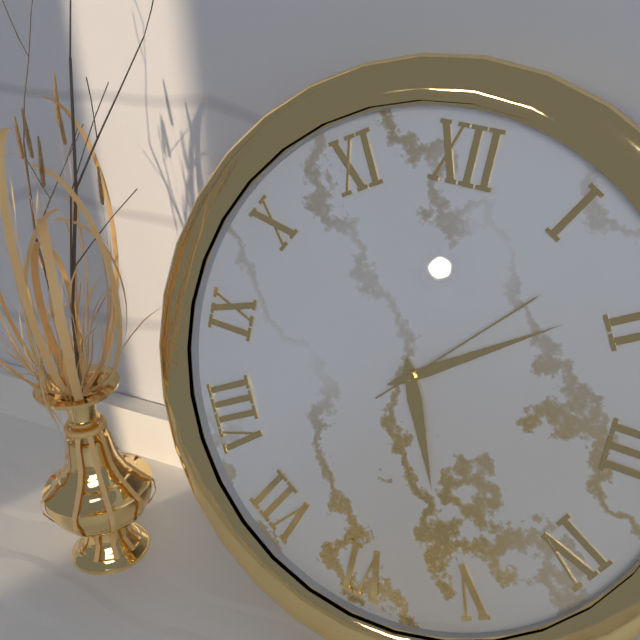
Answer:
h=5 m=9 s=7
